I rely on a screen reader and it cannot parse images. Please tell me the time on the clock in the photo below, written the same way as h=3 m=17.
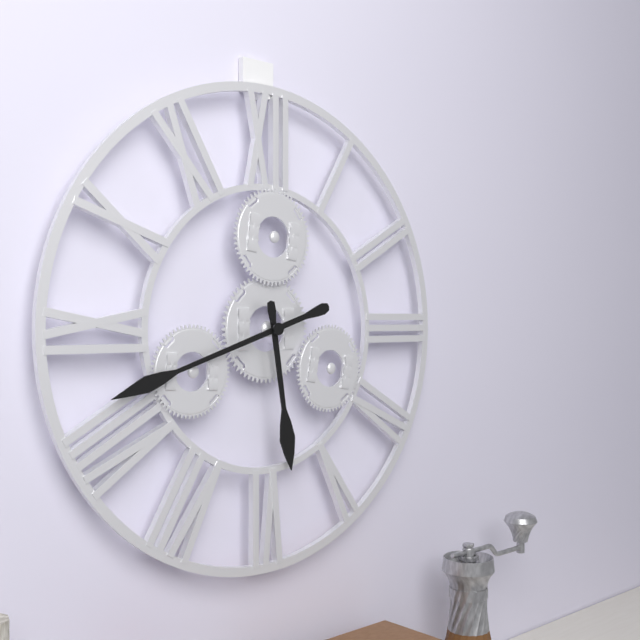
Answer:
h=5 m=42
